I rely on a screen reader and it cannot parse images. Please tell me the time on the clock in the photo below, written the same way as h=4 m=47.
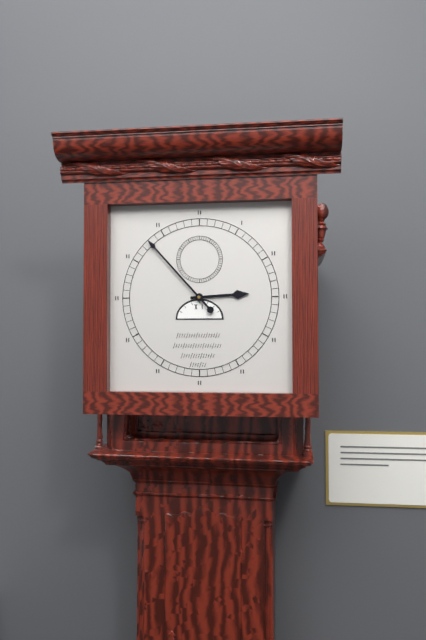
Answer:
h=2 m=53
